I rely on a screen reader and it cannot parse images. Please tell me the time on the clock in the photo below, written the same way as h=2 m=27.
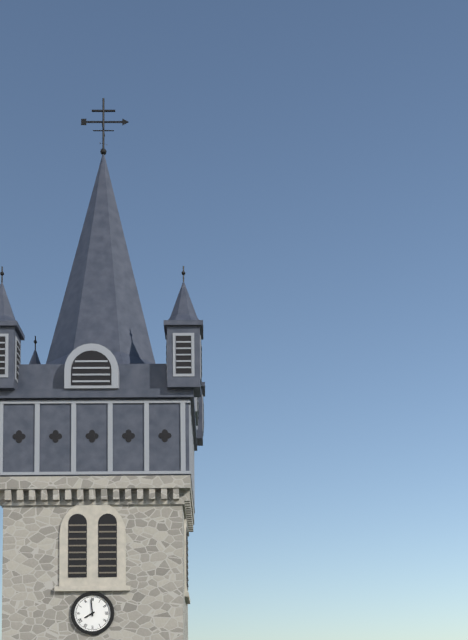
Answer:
h=7 m=59
